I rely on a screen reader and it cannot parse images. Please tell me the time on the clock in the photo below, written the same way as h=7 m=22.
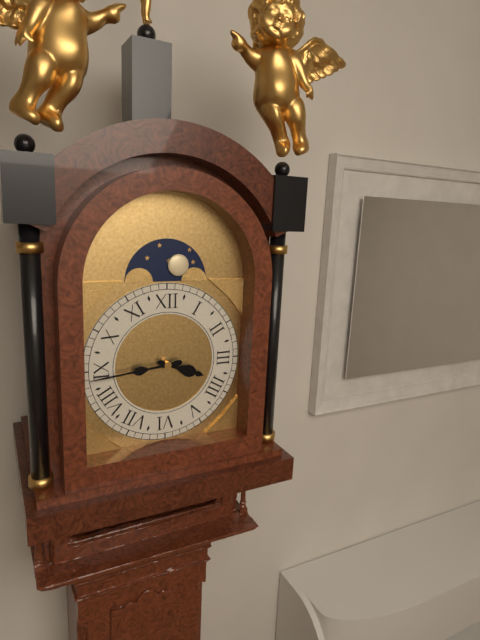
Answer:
h=3 m=44
